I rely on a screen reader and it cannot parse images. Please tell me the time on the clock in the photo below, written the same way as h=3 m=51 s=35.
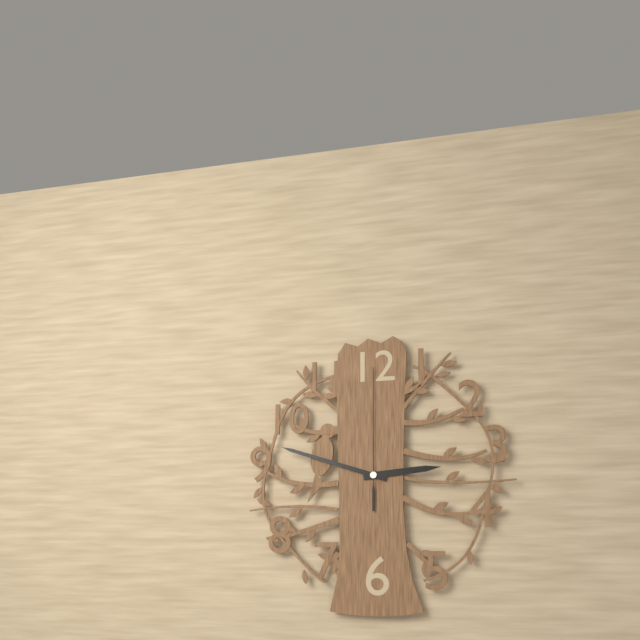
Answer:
h=2 m=48 s=0
